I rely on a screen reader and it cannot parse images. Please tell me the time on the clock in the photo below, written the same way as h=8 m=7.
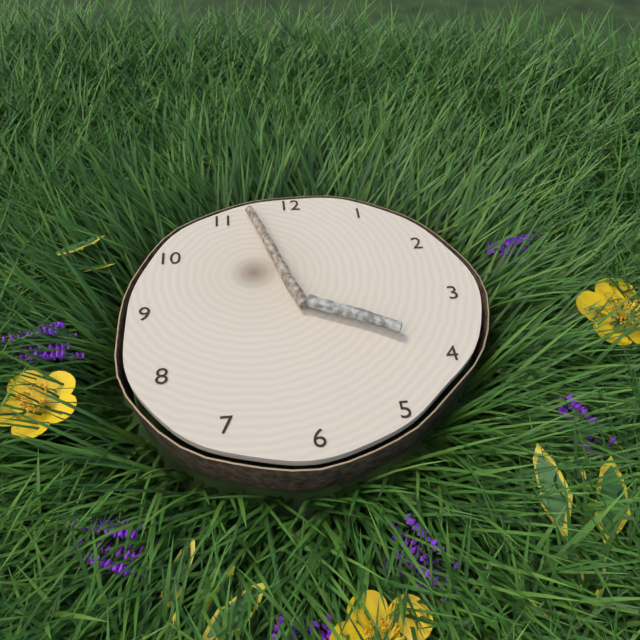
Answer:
h=3 m=57
